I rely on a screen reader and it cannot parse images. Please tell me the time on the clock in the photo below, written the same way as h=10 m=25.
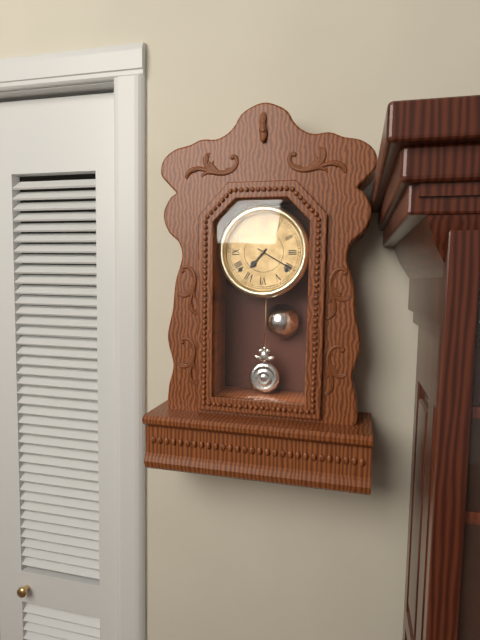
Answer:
h=7 m=20
